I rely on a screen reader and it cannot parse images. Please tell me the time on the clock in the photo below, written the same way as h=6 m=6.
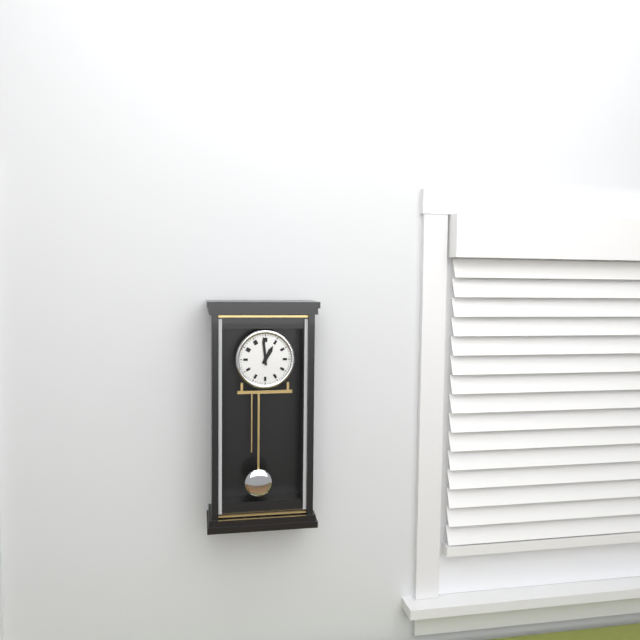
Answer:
h=12 m=59
